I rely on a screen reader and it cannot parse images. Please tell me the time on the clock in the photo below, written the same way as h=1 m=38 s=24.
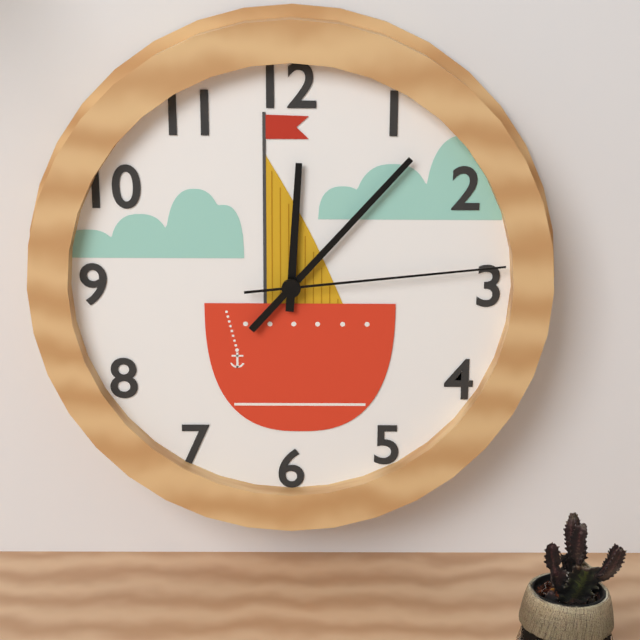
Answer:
h=12 m=7 s=14
